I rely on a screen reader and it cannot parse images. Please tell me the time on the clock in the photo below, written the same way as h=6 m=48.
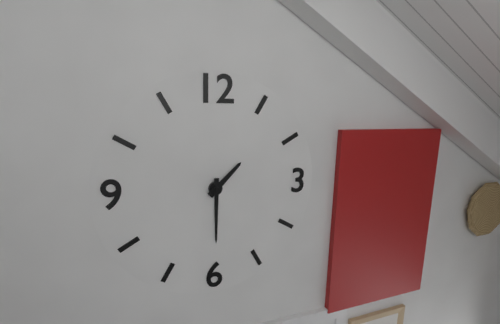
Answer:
h=1 m=30
